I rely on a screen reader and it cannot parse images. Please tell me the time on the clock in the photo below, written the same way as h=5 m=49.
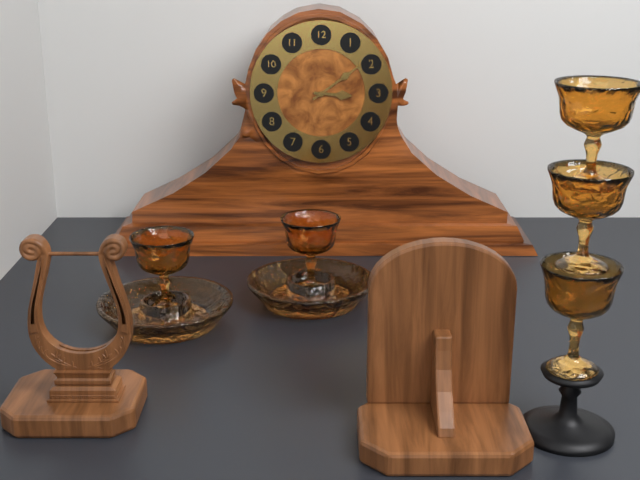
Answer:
h=3 m=9
